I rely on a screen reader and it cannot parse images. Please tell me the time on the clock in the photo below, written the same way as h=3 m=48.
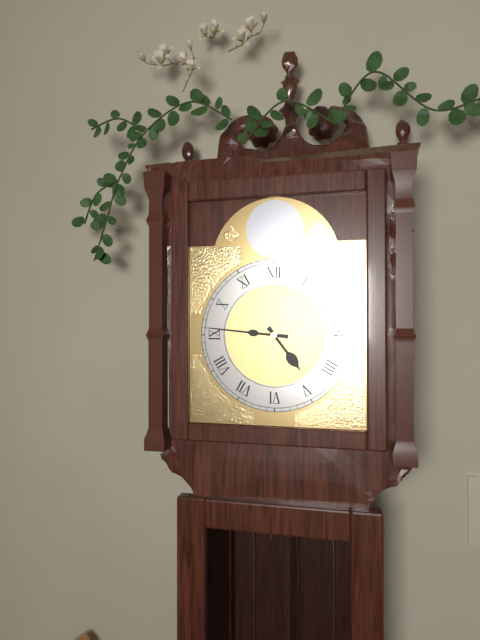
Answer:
h=4 m=46
